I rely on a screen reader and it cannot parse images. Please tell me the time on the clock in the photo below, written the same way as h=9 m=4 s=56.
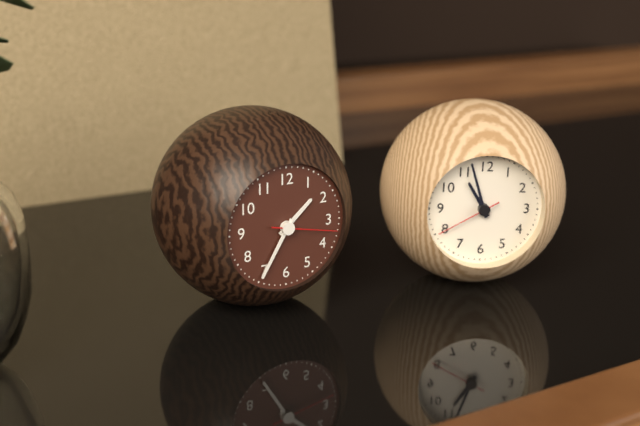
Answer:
h=1 m=35 s=17
